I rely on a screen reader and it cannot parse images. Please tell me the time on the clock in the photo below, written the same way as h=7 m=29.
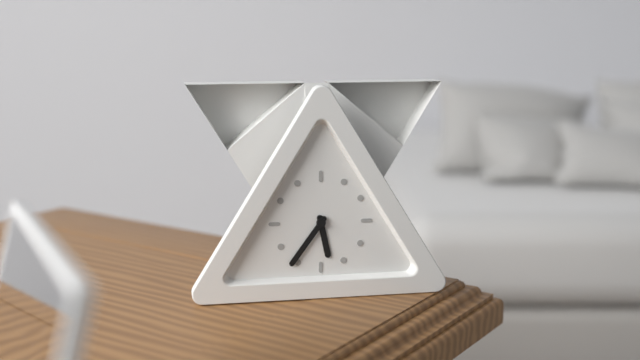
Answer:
h=5 m=36
